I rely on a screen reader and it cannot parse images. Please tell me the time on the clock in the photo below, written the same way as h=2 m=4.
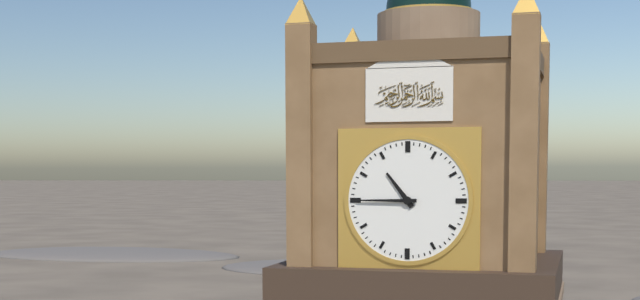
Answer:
h=10 m=45
